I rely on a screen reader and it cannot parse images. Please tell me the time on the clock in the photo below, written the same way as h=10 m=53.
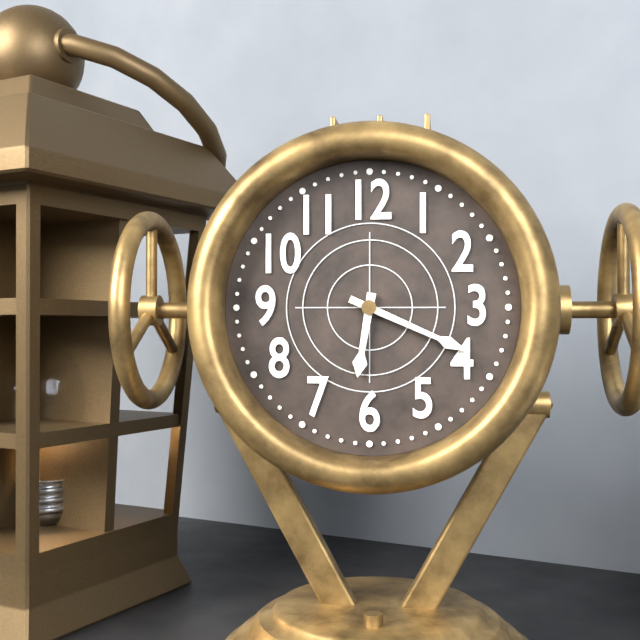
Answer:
h=6 m=19
